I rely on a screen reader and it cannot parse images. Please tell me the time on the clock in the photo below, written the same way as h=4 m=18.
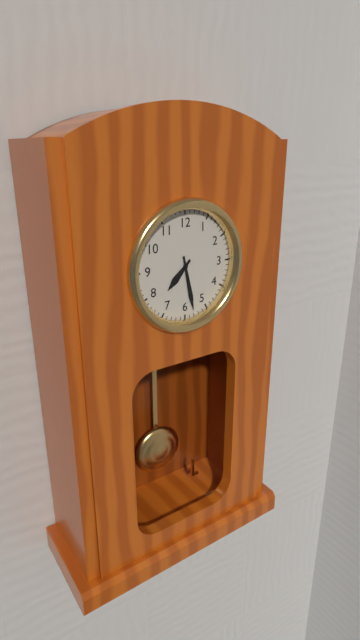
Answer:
h=7 m=28
